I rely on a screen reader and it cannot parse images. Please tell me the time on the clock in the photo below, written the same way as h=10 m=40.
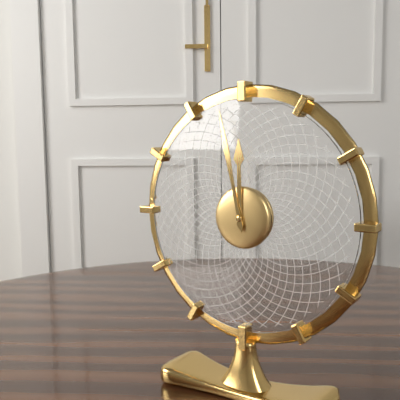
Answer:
h=11 m=58
